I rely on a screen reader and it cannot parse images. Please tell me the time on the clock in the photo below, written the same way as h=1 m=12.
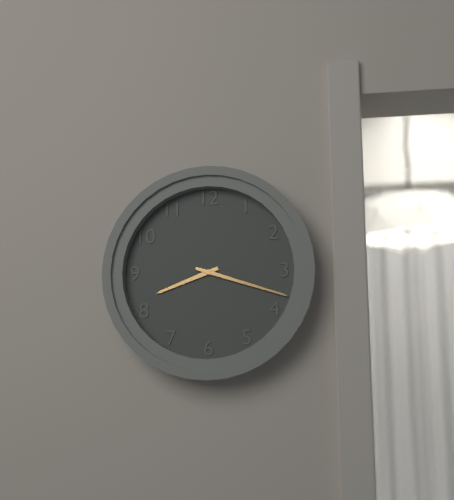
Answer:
h=8 m=18
